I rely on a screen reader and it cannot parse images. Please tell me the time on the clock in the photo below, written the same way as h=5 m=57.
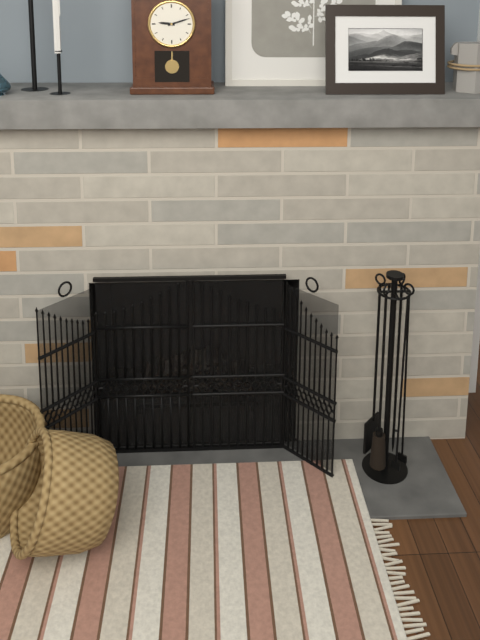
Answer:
h=9 m=12
